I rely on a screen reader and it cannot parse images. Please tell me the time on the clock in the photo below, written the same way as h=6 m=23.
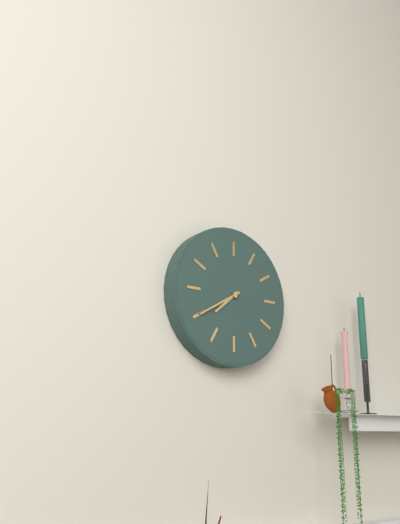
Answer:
h=7 m=40
